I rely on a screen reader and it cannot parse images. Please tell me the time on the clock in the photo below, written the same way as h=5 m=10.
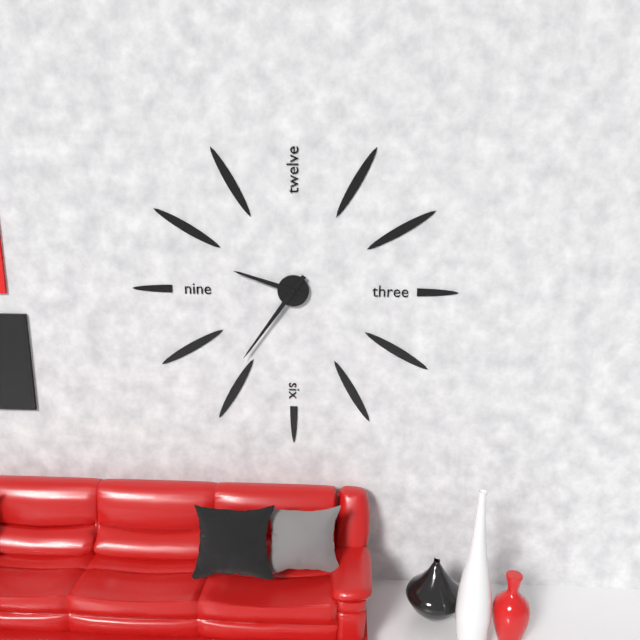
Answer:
h=9 m=36
